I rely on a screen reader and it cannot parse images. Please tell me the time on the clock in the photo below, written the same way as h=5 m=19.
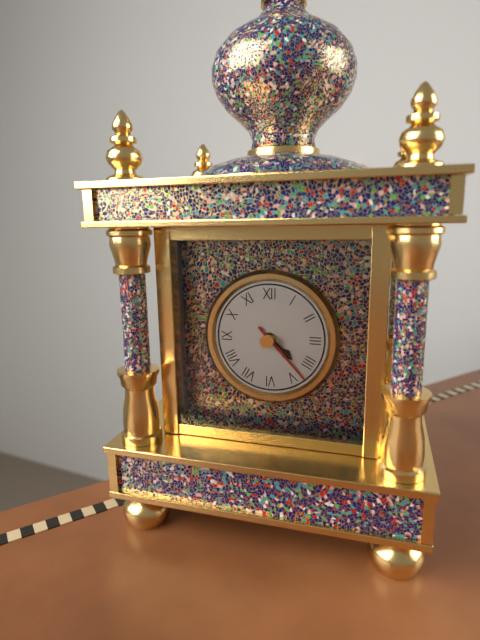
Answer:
h=4 m=23
